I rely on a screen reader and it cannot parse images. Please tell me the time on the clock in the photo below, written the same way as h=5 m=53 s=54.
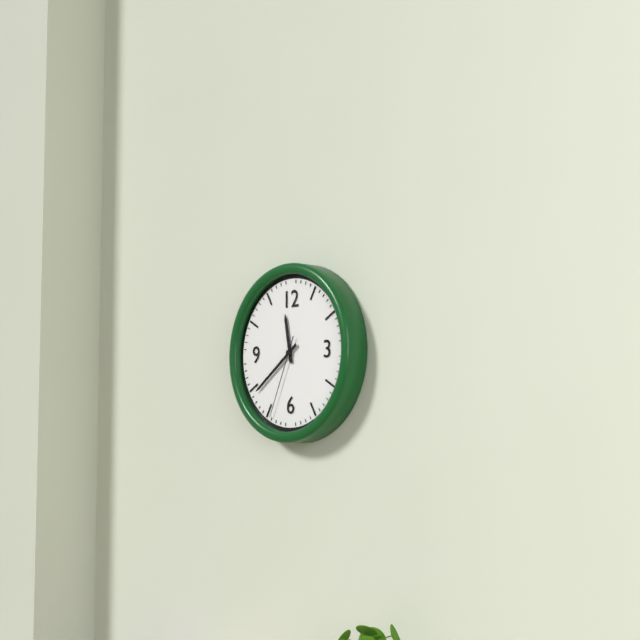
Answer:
h=11 m=39 s=34
